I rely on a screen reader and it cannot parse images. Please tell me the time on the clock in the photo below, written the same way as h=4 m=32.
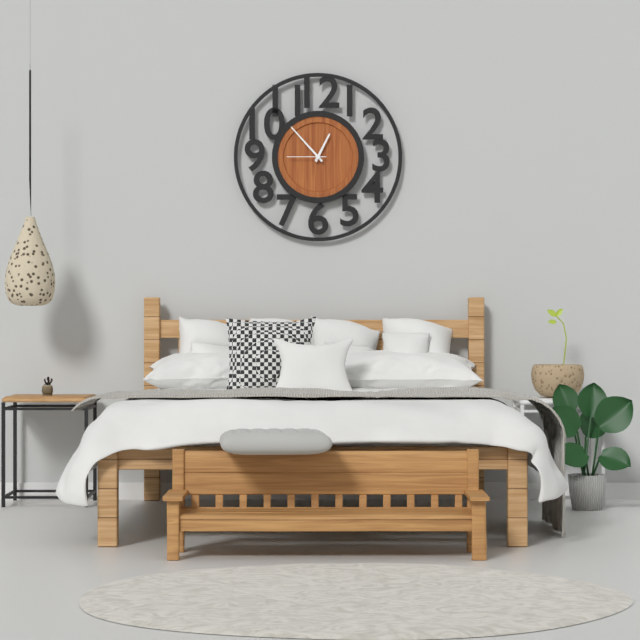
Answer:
h=12 m=53
